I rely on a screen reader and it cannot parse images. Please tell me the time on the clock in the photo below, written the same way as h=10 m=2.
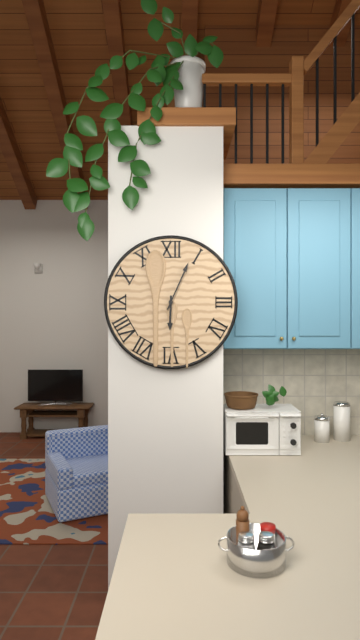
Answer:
h=6 m=4
